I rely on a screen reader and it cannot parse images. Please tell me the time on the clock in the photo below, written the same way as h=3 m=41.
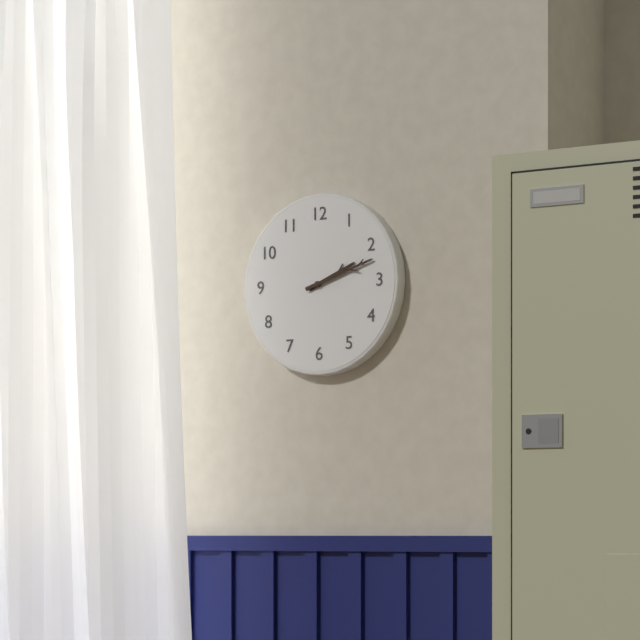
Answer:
h=2 m=12
